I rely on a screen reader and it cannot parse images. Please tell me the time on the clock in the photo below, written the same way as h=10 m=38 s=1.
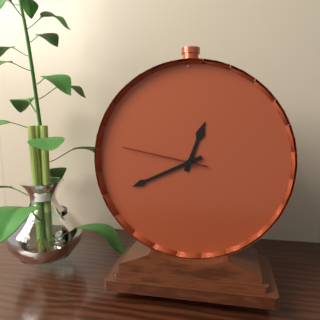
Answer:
h=12 m=41 s=47
